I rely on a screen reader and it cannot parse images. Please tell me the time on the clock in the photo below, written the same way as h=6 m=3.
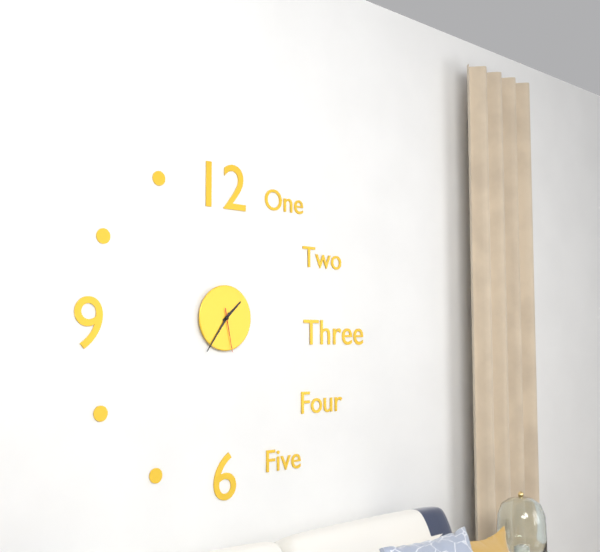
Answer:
h=1 m=36
